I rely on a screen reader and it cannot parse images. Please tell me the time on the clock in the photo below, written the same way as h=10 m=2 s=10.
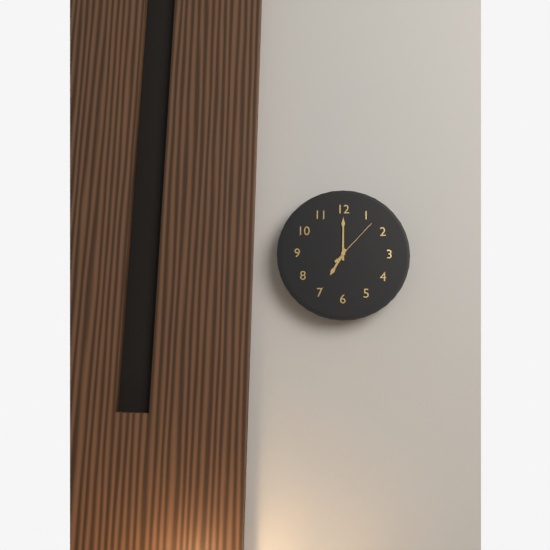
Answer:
h=7 m=0 s=7
